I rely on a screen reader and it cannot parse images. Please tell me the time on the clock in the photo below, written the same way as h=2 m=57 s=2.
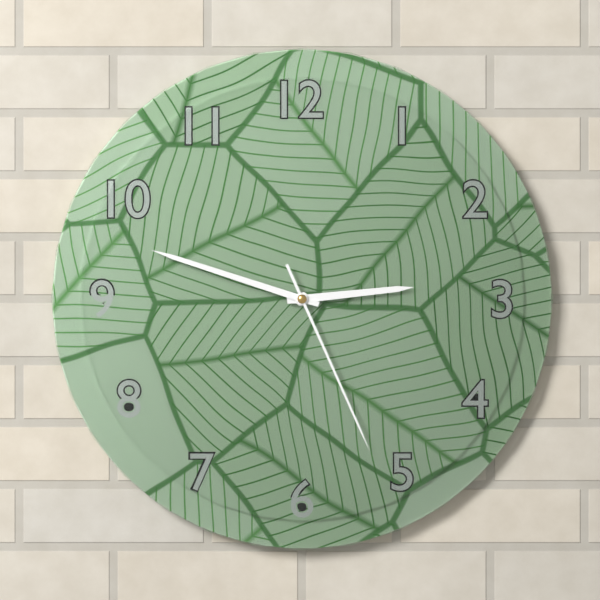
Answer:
h=2 m=48 s=26
